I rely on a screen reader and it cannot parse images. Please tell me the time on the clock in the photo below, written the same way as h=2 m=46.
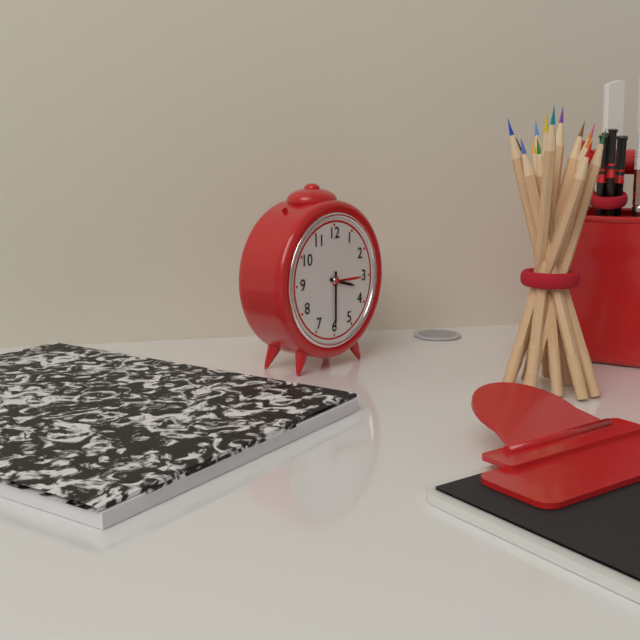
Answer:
h=3 m=30
